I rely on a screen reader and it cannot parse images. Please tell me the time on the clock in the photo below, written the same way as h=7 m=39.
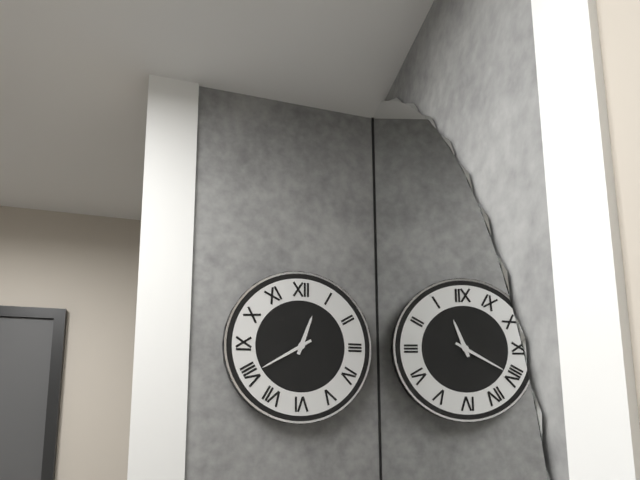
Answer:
h=12 m=40
